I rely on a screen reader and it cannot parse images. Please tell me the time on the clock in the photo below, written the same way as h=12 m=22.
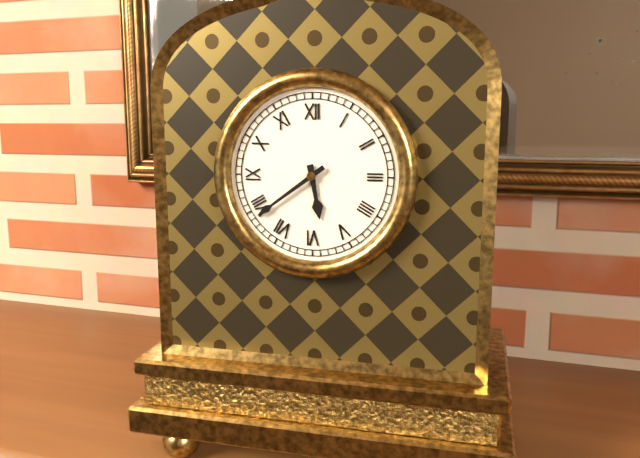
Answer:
h=5 m=39
